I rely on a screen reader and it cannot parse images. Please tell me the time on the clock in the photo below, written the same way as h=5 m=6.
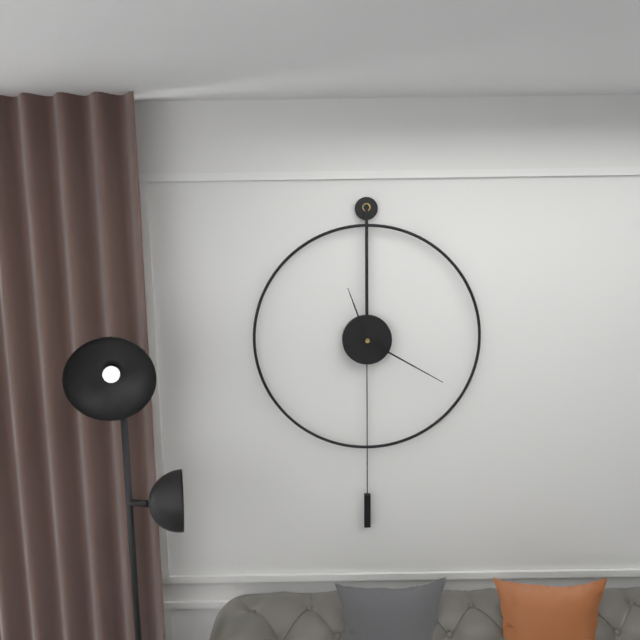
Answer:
h=11 m=20
